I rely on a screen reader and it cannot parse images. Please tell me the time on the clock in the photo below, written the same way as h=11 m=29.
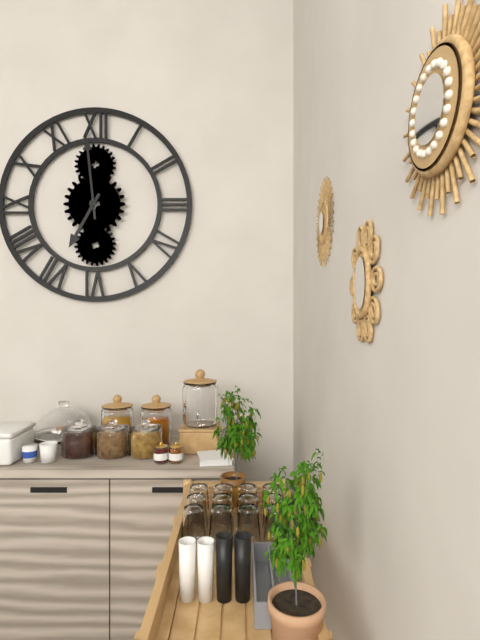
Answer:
h=6 m=59
